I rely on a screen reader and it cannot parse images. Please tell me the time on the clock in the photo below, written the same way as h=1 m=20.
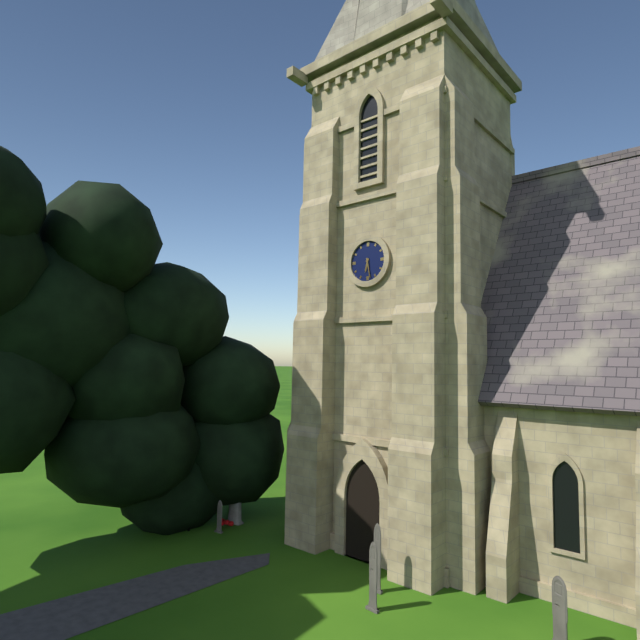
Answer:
h=6 m=28
